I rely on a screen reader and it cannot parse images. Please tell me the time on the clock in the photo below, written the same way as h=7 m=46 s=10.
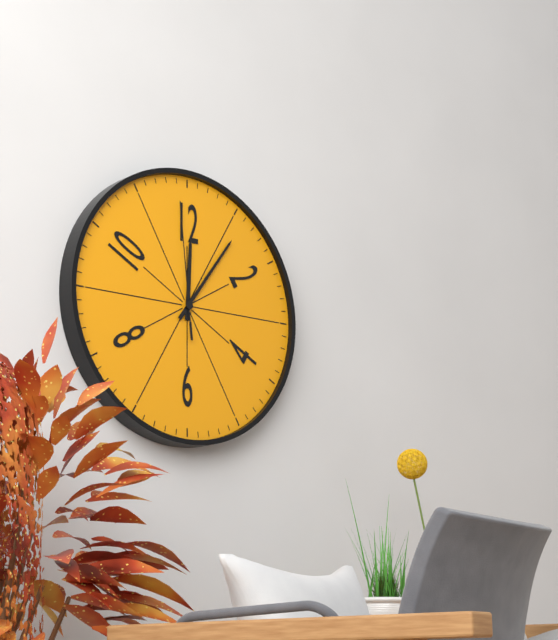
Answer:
h=12 m=6 s=59
